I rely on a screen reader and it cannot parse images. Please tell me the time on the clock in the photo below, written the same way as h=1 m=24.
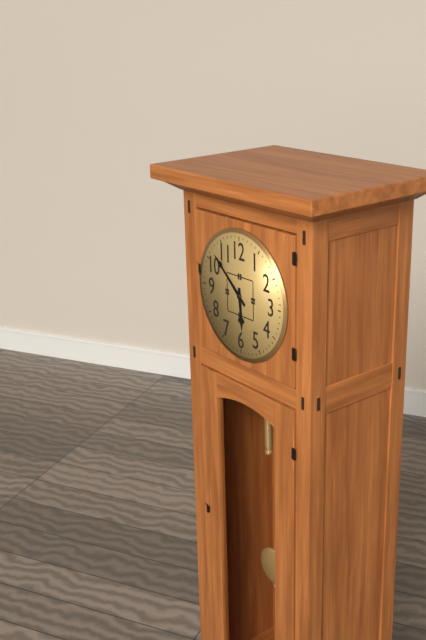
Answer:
h=5 m=52
